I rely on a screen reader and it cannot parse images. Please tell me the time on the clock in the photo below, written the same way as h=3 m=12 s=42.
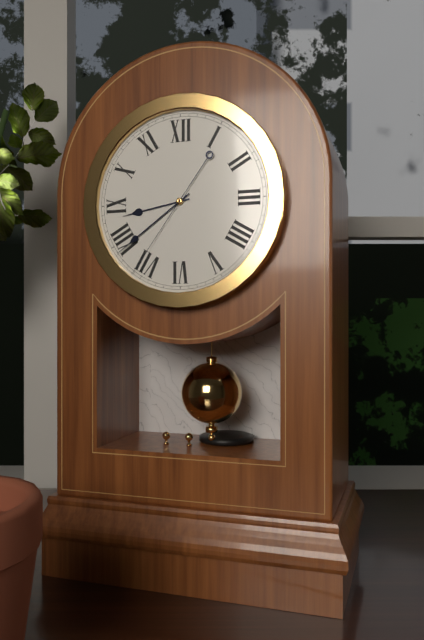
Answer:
h=8 m=39 s=36
